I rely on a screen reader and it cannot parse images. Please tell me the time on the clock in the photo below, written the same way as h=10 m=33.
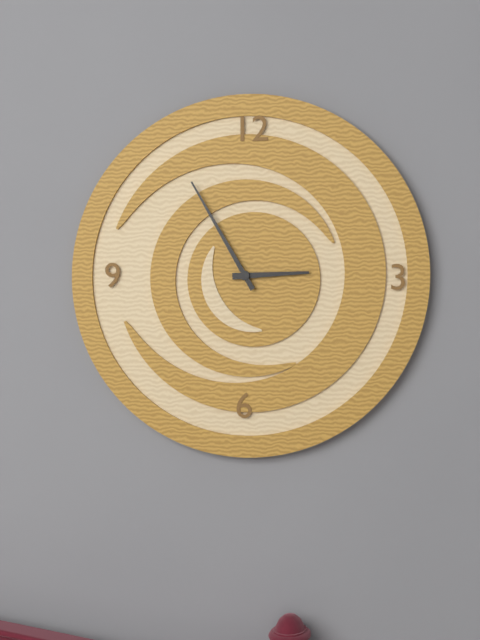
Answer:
h=2 m=55
